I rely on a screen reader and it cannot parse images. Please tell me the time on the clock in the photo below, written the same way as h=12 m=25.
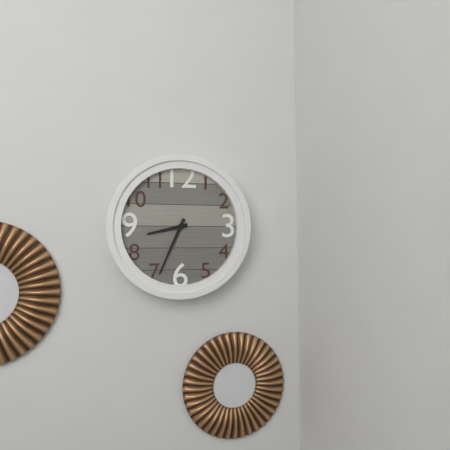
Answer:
h=8 m=34
